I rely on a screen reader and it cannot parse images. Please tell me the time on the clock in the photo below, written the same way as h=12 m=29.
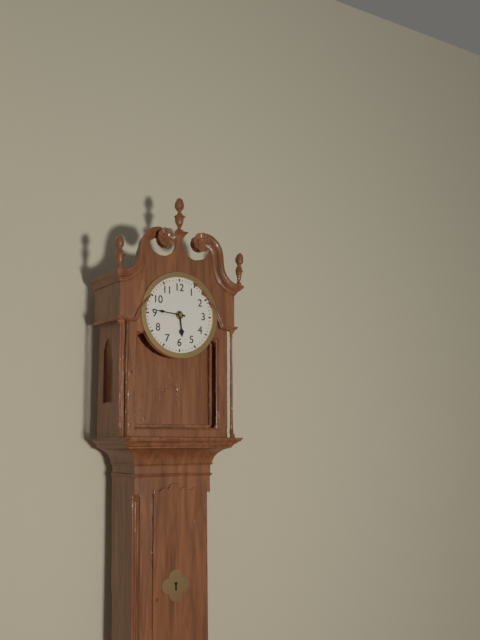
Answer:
h=5 m=46
